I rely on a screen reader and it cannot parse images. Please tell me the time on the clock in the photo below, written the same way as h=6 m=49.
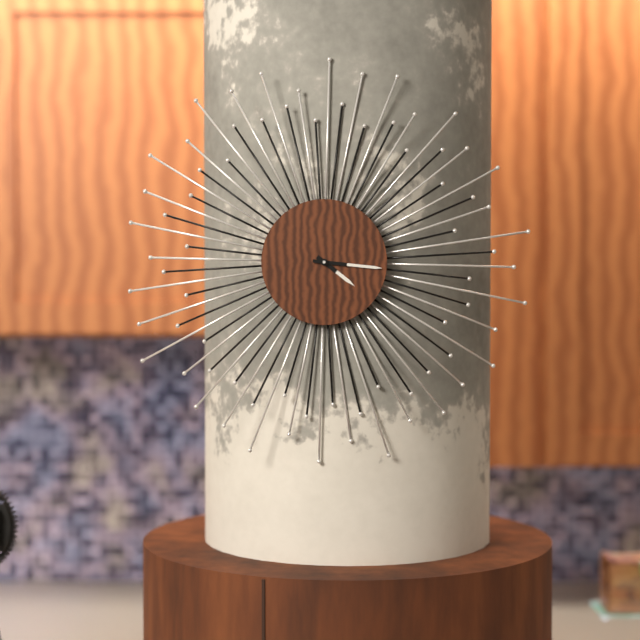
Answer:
h=4 m=16
